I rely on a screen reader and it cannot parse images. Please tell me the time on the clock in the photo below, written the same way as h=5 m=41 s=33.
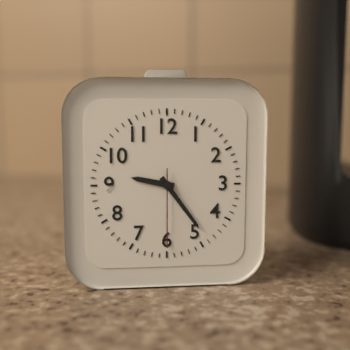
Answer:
h=9 m=24 s=30
